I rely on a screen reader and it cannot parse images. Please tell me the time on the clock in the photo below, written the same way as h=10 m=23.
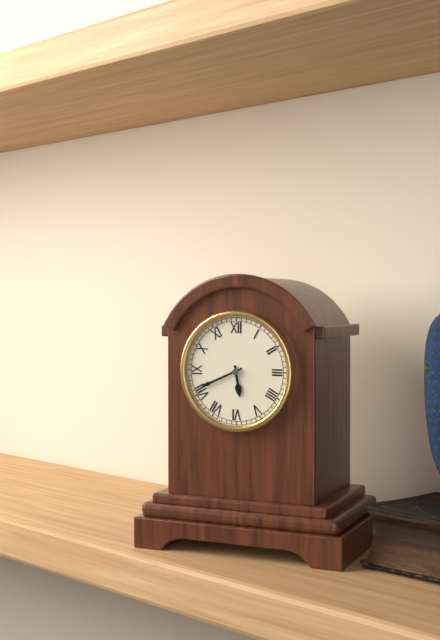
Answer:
h=5 m=41
